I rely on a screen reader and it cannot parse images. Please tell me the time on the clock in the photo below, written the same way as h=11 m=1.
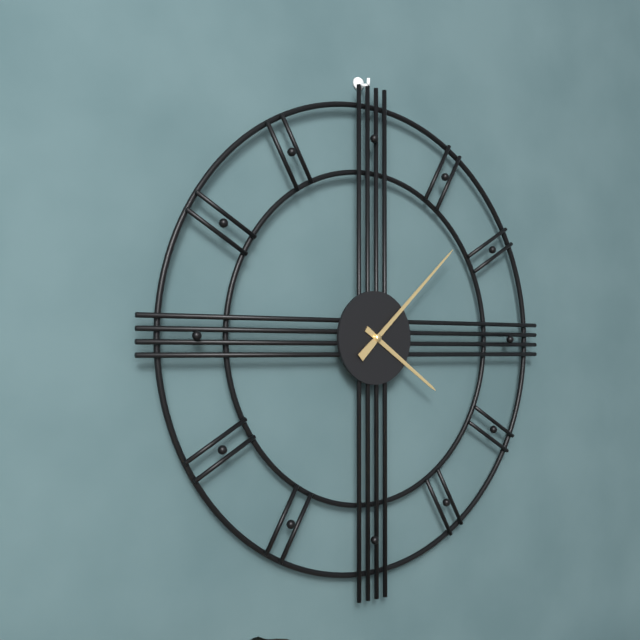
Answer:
h=4 m=8
